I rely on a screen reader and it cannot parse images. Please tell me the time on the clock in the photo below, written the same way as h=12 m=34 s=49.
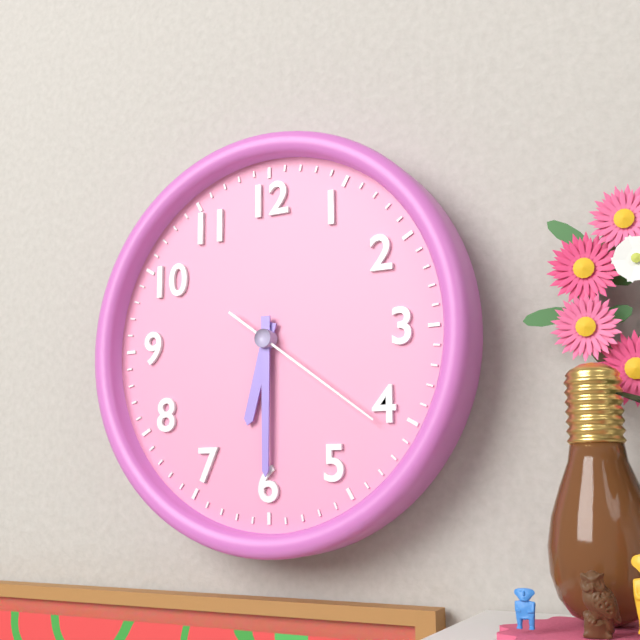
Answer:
h=6 m=30 s=21
